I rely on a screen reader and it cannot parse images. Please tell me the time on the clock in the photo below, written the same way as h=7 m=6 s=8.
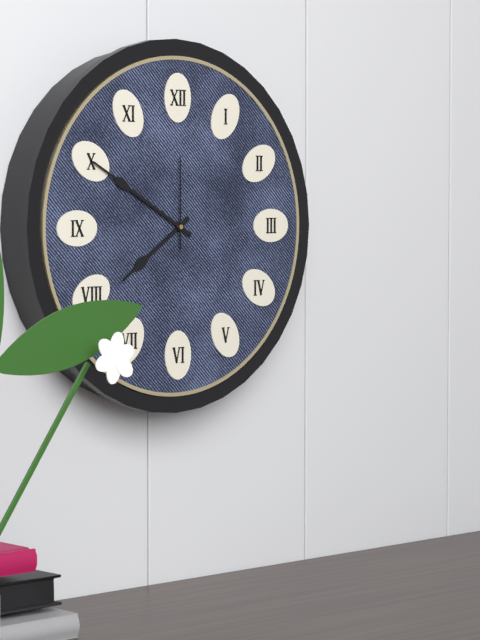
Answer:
h=7 m=50 s=0
